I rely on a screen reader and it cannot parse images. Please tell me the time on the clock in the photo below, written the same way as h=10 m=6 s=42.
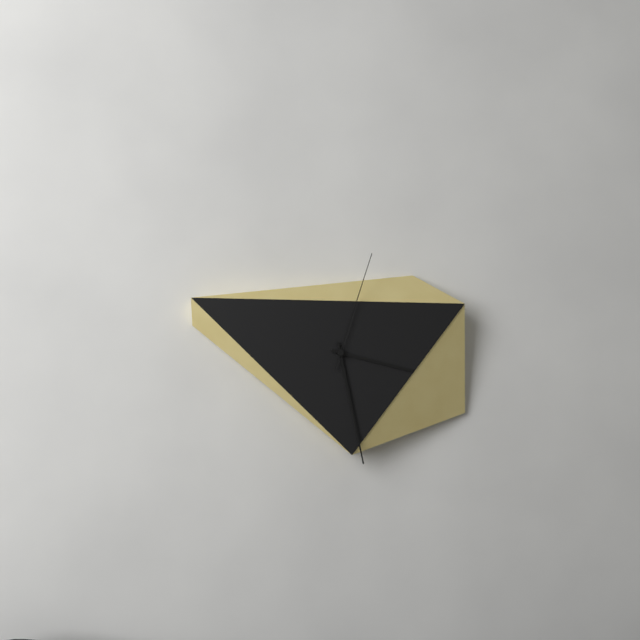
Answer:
h=3 m=28 s=3
